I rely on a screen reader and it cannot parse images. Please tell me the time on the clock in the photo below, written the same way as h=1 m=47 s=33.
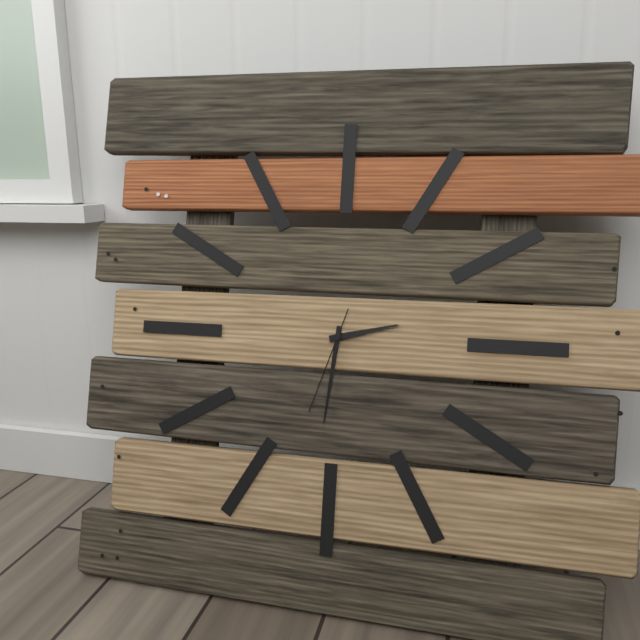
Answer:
h=2 m=31 s=33
